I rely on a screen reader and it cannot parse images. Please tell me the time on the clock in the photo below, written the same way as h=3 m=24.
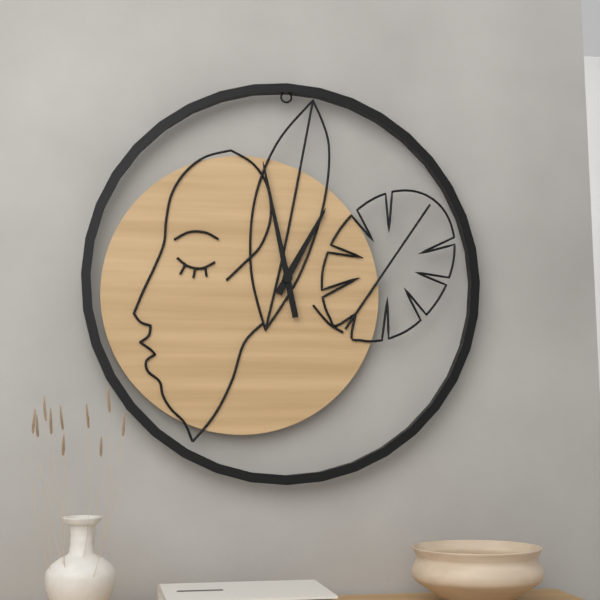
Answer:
h=12 m=58
